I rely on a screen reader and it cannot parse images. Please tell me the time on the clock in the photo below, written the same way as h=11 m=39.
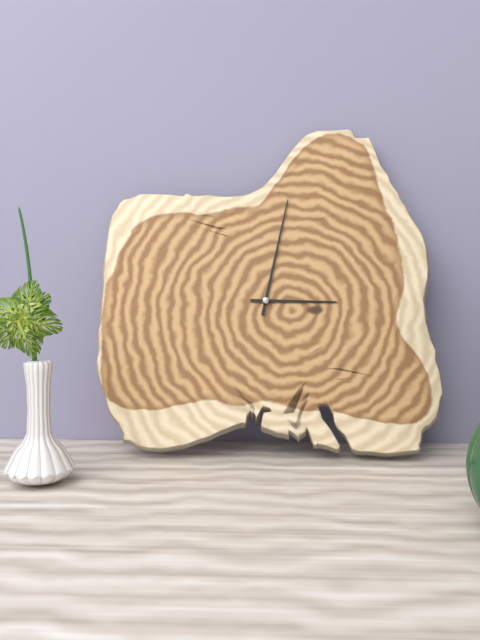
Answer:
h=3 m=2
